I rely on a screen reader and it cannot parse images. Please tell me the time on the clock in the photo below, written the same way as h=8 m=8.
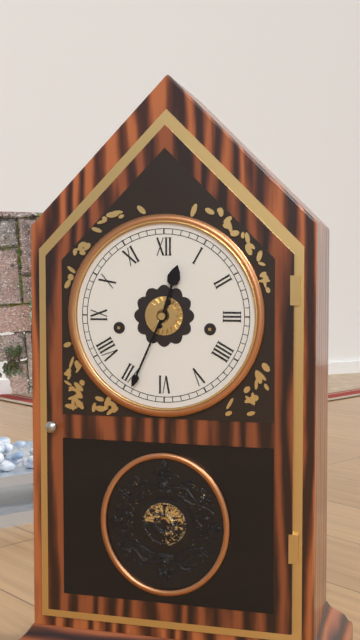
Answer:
h=12 m=34
